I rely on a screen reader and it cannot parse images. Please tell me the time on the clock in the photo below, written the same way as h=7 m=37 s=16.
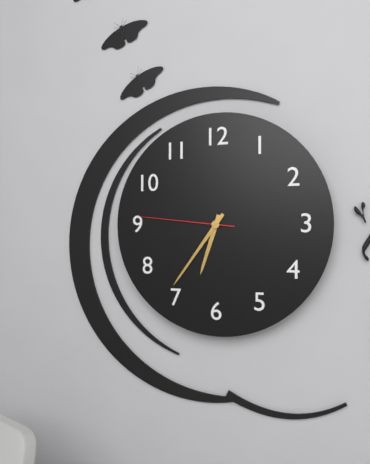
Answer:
h=6 m=36 s=46
